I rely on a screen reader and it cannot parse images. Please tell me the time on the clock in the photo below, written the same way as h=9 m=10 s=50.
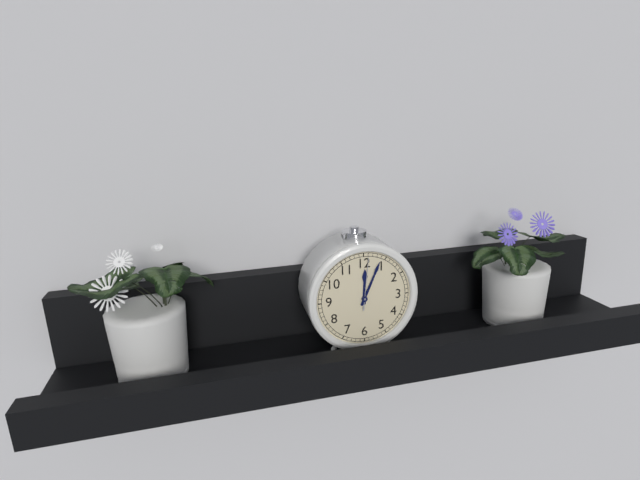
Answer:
h=12 m=4 s=1
